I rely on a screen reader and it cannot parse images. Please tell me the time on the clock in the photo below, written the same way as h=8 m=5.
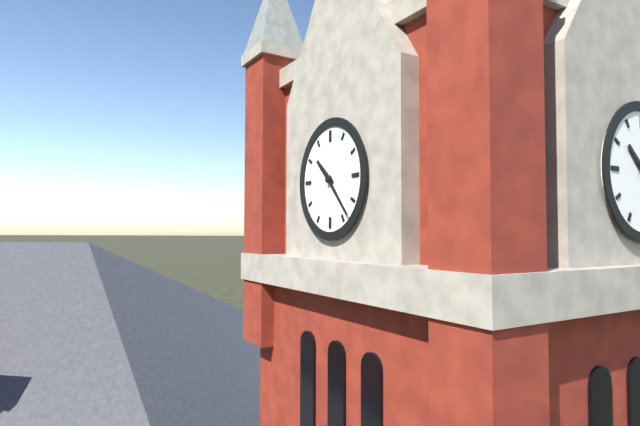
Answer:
h=10 m=23
